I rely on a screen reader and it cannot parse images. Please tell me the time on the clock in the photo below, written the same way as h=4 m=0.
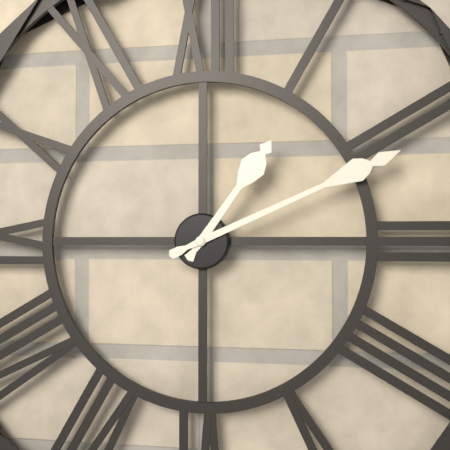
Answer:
h=1 m=11
